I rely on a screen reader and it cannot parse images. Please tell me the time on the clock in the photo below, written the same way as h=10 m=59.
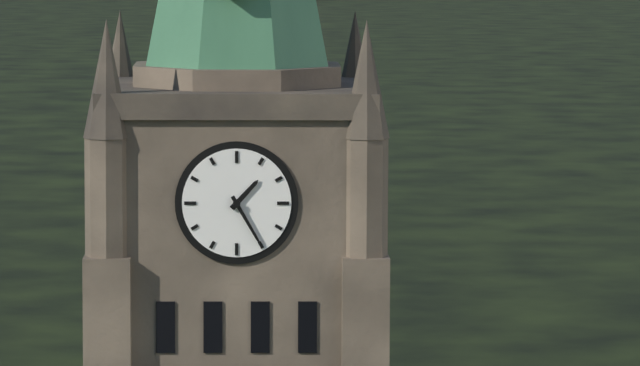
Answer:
h=1 m=25
